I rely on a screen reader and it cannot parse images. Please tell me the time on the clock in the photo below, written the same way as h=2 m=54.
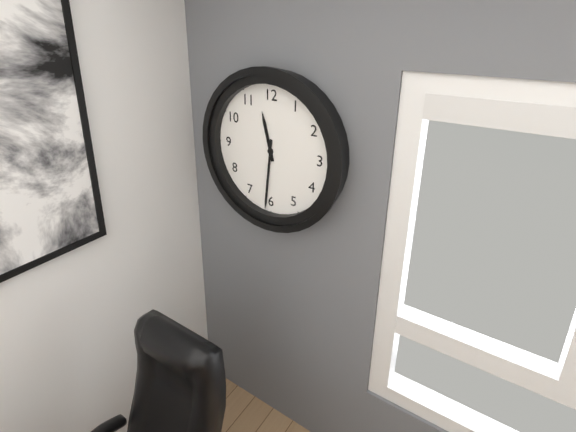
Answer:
h=11 m=31
